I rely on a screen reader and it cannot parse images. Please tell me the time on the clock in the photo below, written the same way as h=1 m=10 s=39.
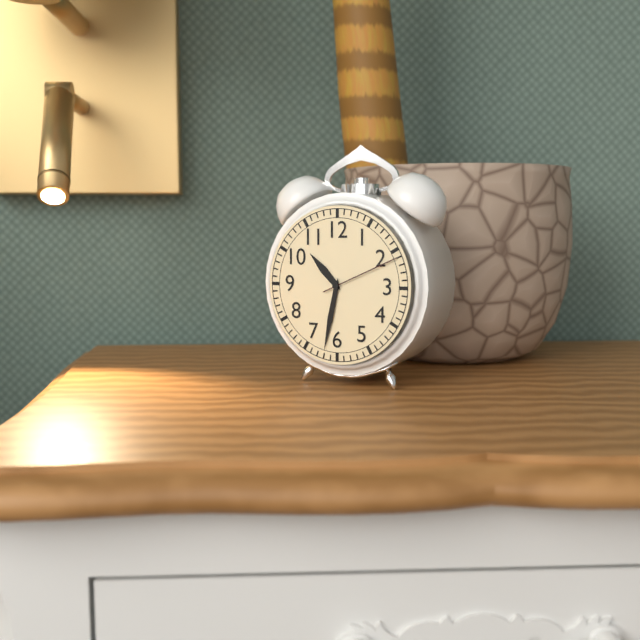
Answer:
h=10 m=32 s=11
